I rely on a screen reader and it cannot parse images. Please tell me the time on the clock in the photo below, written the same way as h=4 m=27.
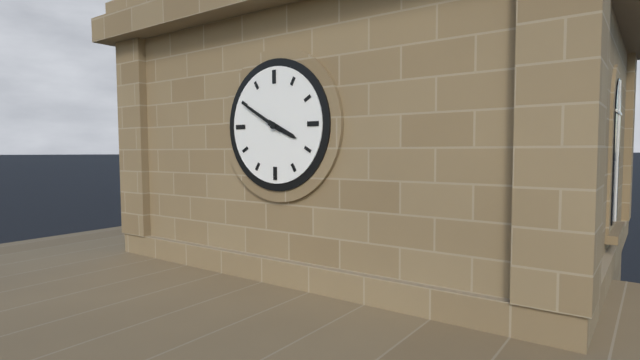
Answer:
h=3 m=50
